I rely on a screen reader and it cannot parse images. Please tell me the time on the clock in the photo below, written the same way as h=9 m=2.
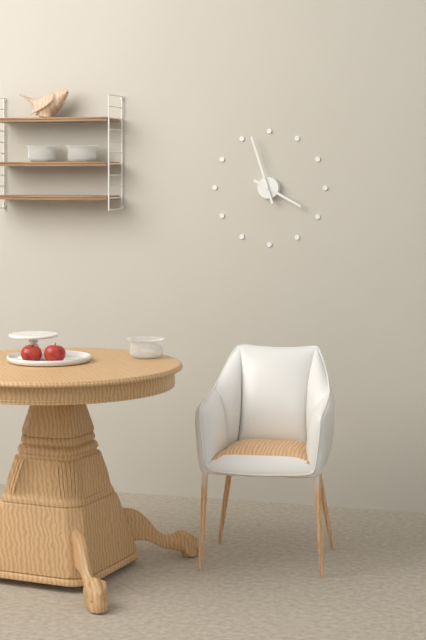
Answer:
h=3 m=57
